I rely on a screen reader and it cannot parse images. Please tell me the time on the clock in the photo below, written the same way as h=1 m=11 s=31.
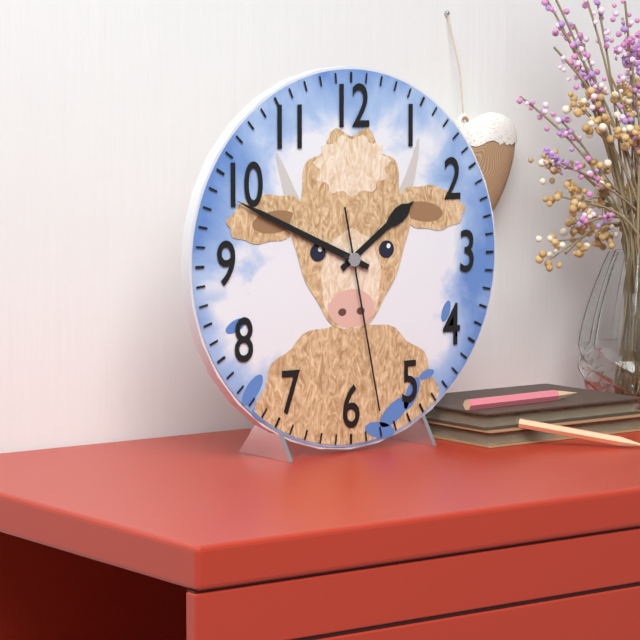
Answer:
h=1 m=49 s=28
